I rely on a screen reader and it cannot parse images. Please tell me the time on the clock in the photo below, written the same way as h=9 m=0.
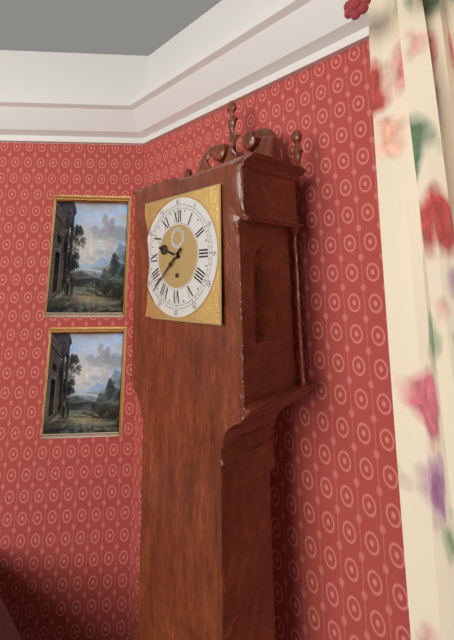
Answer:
h=9 m=38
